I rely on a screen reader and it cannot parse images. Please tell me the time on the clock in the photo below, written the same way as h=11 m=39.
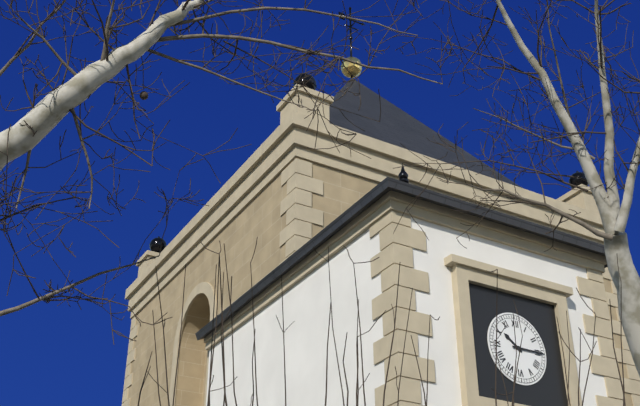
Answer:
h=10 m=15
